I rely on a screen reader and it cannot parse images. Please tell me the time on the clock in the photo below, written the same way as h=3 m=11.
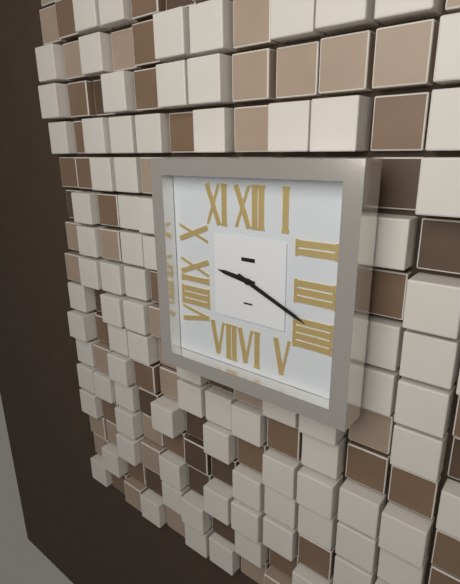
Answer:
h=9 m=19
